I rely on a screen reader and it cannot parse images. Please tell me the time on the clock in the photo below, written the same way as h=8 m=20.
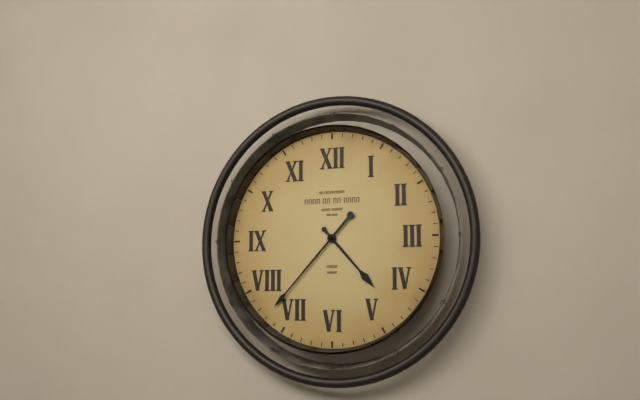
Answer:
h=4 m=37
